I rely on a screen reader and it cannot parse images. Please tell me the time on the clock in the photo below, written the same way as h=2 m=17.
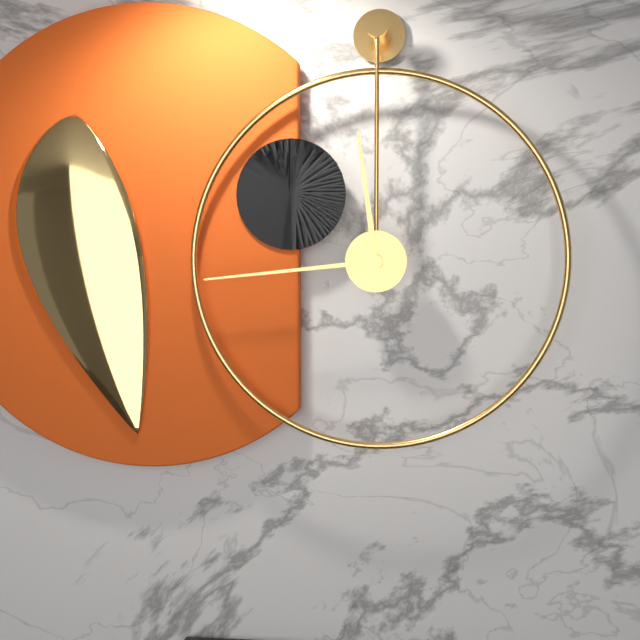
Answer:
h=11 m=44
